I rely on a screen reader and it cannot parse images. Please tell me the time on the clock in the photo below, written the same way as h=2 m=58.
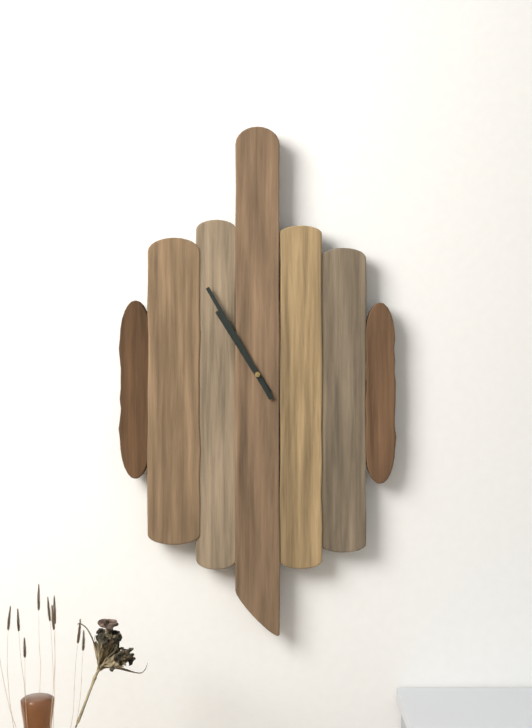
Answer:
h=10 m=55
